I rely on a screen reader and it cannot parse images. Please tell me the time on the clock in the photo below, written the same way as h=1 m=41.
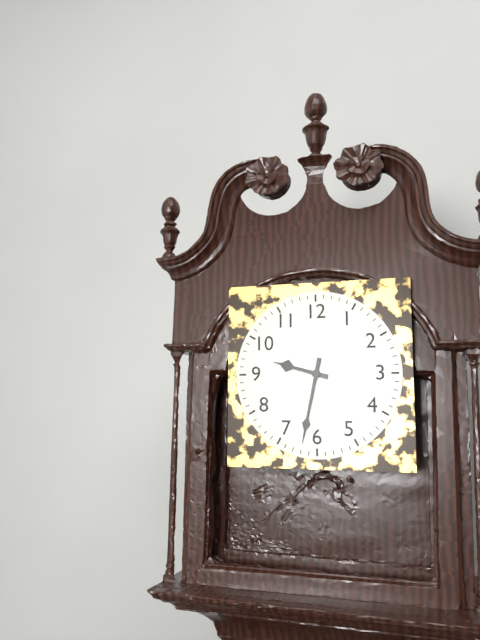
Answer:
h=9 m=32
